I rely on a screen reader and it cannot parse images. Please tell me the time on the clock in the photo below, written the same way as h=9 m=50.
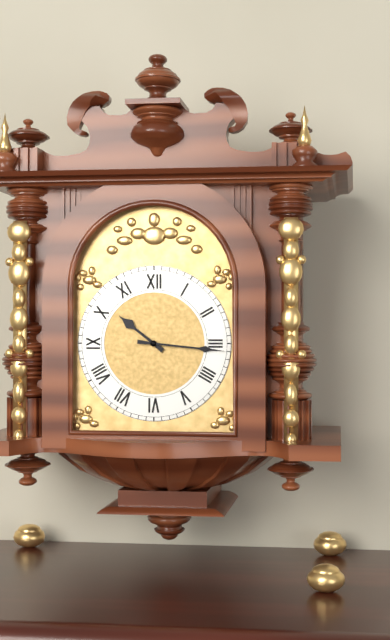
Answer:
h=10 m=16
